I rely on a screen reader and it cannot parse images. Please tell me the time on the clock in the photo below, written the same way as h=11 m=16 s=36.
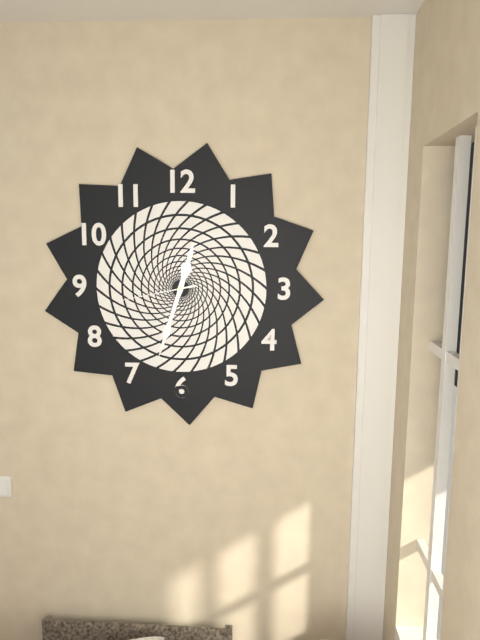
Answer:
h=12 m=33 s=43
